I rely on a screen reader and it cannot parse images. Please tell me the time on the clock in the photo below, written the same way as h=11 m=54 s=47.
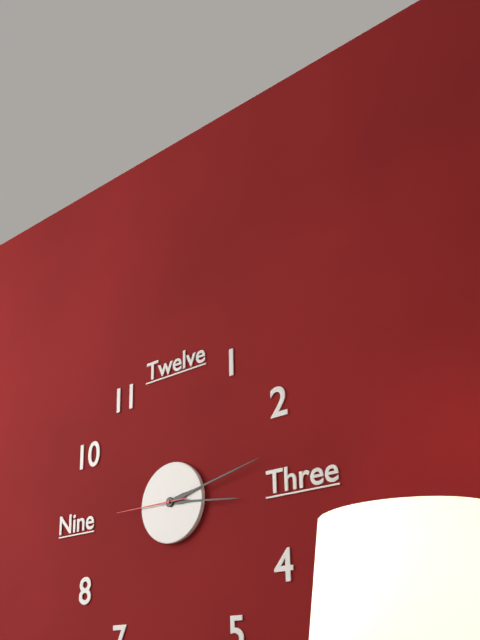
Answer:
h=3 m=13 s=45
